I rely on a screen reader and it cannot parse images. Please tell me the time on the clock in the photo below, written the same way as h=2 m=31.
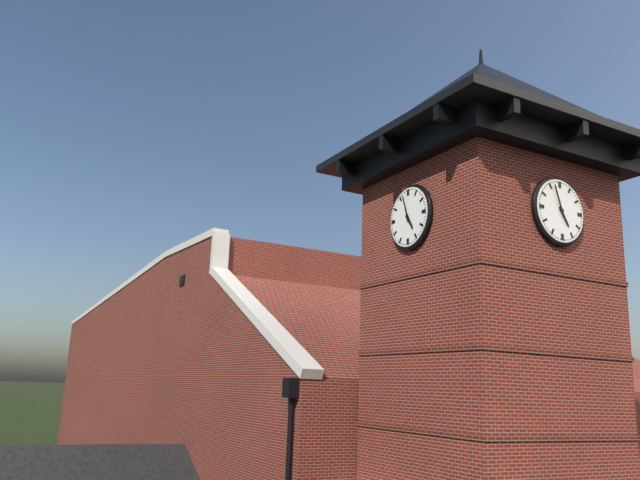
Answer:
h=4 m=57
